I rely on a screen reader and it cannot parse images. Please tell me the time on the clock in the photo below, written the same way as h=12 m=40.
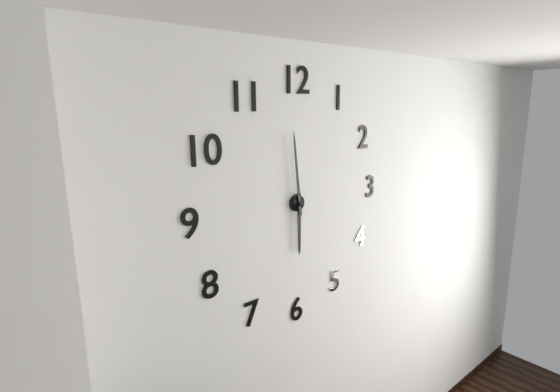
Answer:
h=5 m=59
